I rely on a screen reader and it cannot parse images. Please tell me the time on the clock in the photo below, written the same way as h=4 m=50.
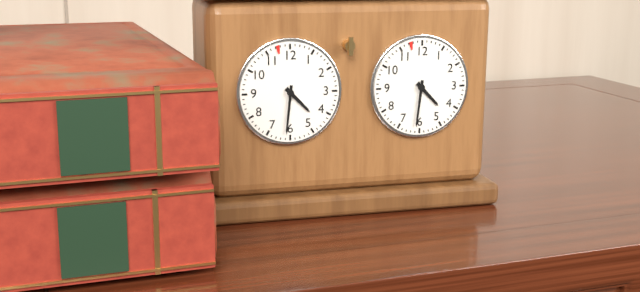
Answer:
h=4 m=31
